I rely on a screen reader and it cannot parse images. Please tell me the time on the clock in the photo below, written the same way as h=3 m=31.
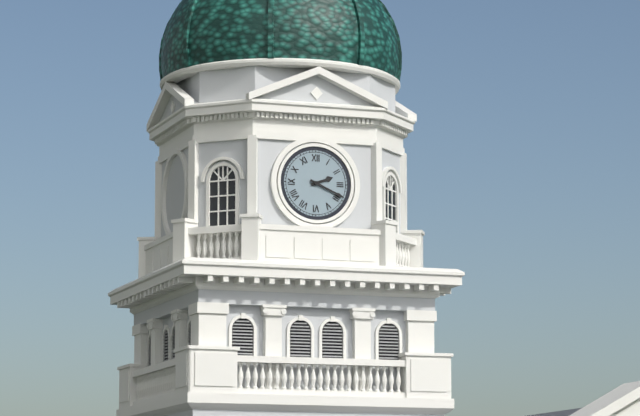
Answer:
h=2 m=19
